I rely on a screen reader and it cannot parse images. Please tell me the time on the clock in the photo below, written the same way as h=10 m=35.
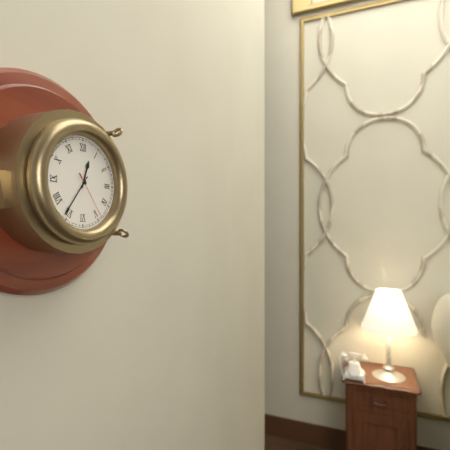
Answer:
h=12 m=36
